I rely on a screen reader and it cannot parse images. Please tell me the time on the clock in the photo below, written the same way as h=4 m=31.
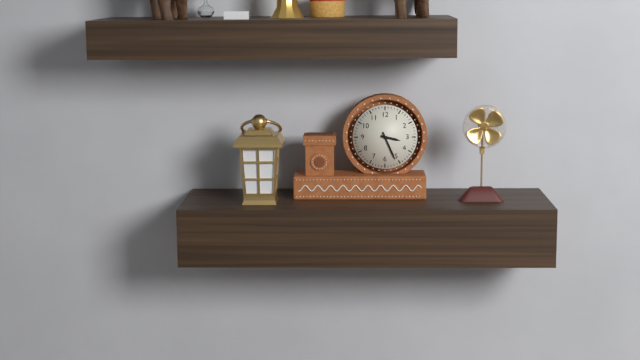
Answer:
h=3 m=26
